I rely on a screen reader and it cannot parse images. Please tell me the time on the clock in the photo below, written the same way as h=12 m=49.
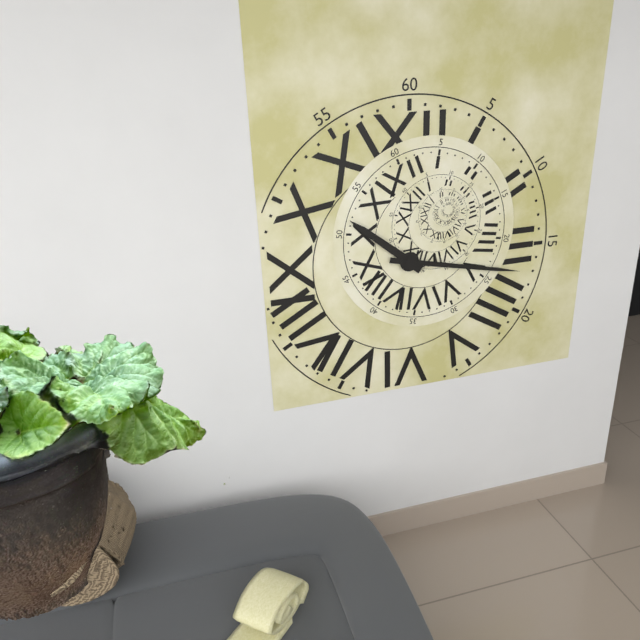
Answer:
h=10 m=17
